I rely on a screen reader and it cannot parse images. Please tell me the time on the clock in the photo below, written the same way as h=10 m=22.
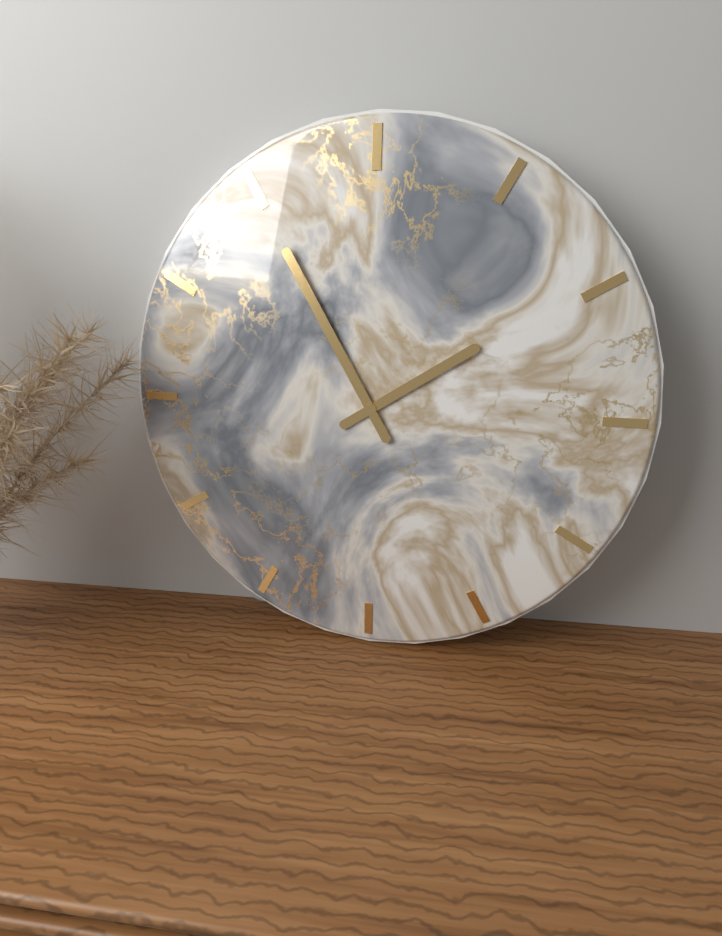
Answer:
h=1 m=55
